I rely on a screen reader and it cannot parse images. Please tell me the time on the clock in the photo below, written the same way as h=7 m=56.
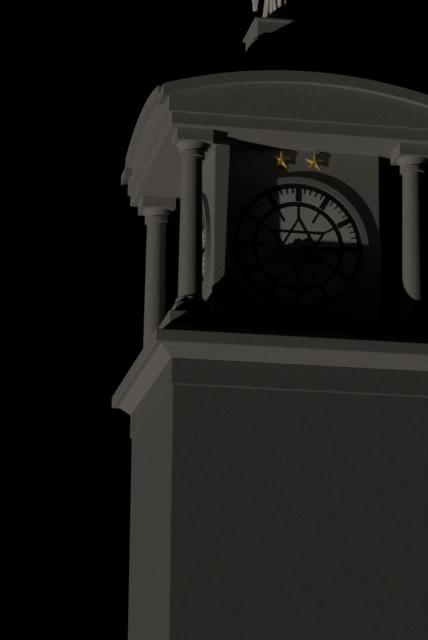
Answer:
h=4 m=16
